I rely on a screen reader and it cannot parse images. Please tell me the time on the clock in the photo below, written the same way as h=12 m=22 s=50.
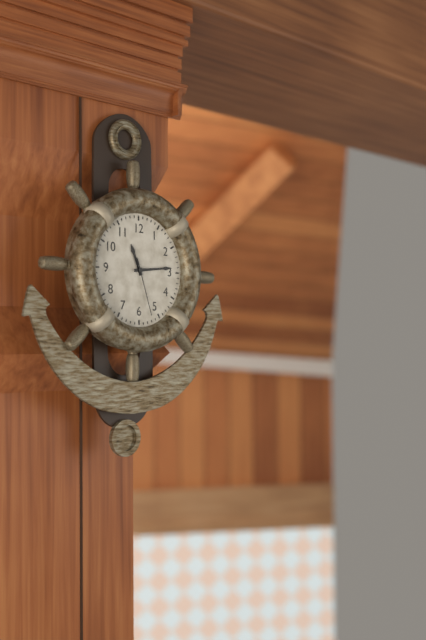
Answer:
h=11 m=14 s=27
